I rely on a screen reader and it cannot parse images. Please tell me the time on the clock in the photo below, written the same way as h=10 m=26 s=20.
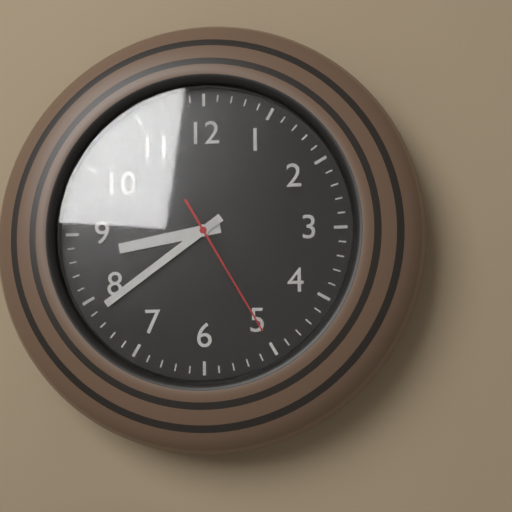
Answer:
h=8 m=39 s=25
